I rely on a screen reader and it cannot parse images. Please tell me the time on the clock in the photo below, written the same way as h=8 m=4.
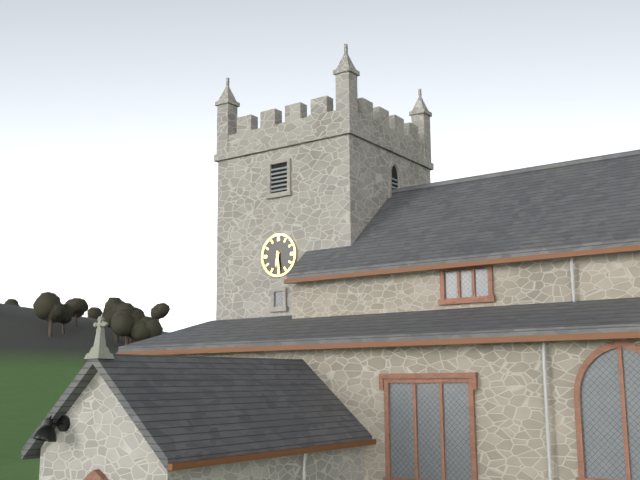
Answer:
h=6 m=29
